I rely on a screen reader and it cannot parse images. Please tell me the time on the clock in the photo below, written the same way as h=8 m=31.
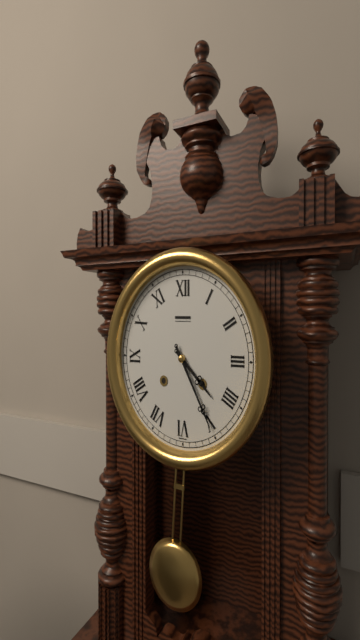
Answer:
h=4 m=25
